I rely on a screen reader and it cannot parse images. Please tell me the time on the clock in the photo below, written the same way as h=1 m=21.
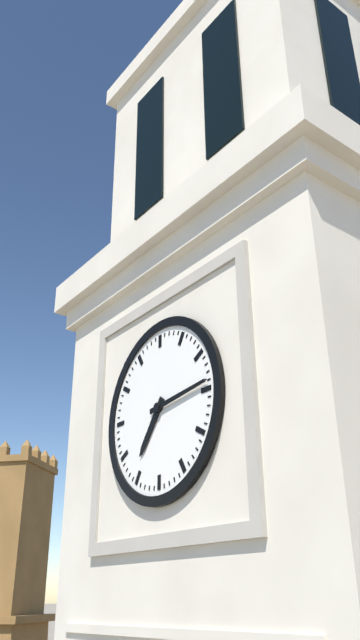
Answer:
h=7 m=14
